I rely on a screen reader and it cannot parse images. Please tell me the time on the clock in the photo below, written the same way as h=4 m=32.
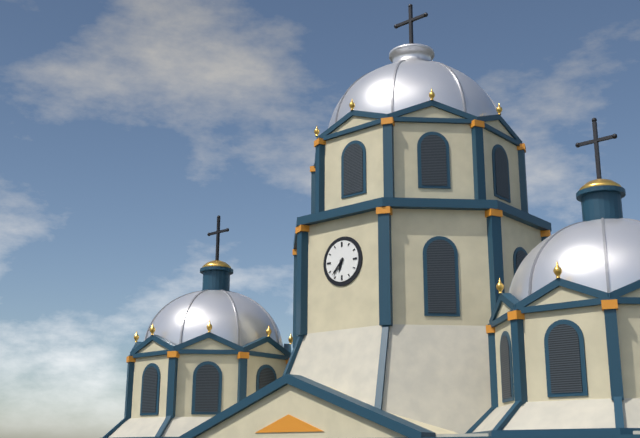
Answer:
h=6 m=37
